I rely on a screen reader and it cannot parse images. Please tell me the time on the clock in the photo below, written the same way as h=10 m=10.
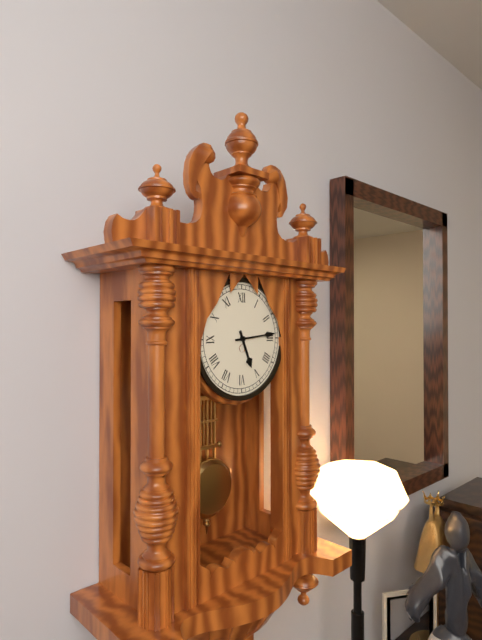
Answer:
h=5 m=14
